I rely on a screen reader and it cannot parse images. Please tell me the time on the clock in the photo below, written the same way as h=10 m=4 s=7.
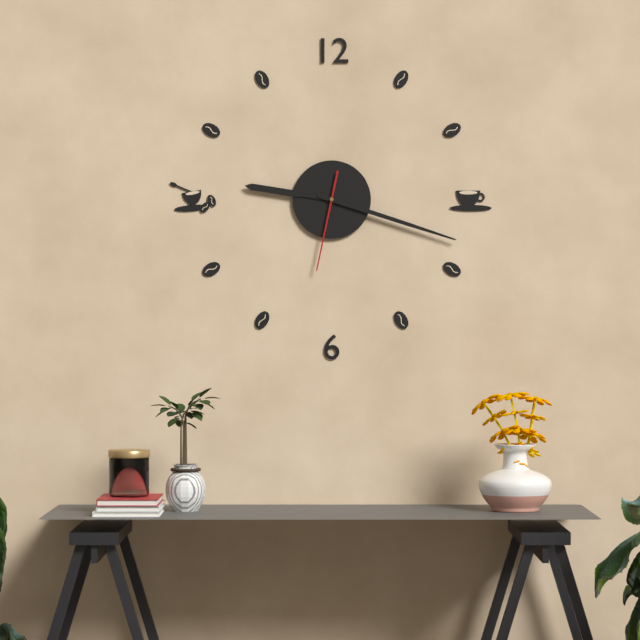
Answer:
h=9 m=18 s=32
